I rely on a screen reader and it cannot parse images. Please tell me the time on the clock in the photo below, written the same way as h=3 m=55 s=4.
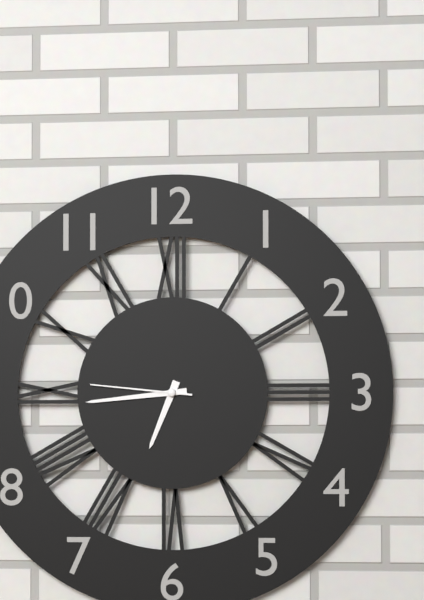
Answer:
h=6 m=44 s=46
